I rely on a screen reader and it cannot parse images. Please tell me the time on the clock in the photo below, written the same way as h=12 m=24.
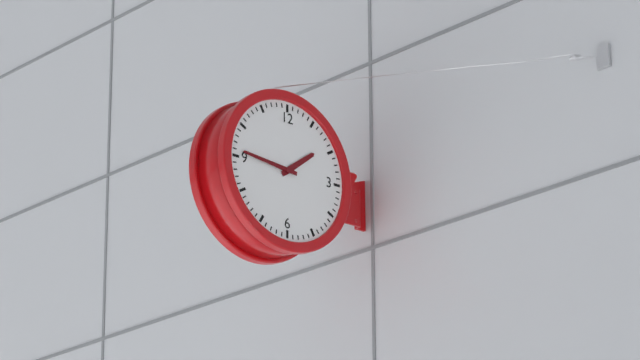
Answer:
h=1 m=46
